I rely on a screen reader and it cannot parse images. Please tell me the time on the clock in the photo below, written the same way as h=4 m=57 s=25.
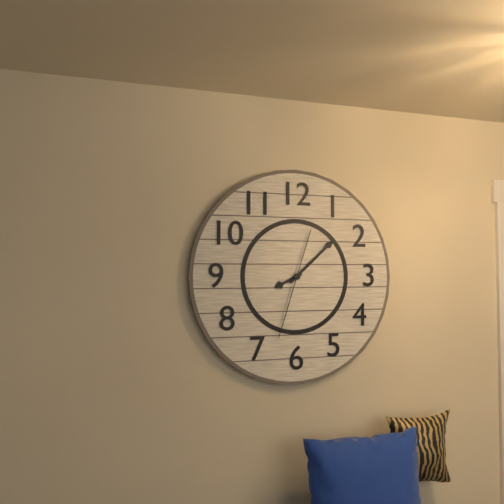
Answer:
h=8 m=8 s=33
